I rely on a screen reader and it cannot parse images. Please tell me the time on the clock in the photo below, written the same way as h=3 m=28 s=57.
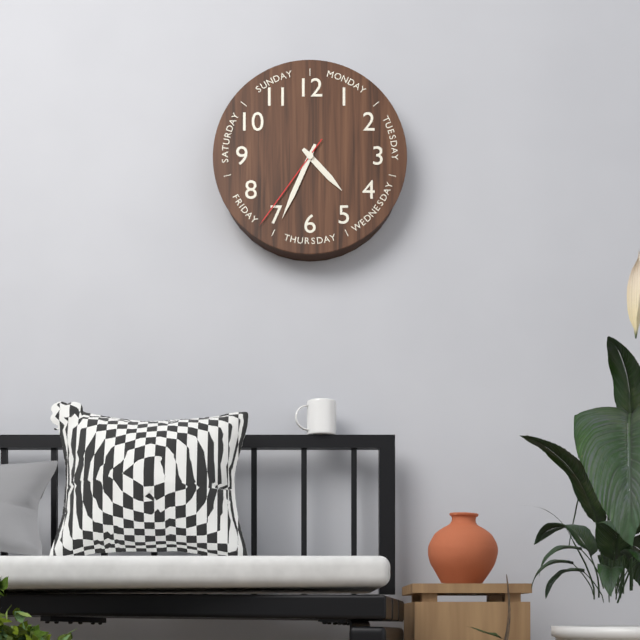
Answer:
h=4 m=34 s=36
